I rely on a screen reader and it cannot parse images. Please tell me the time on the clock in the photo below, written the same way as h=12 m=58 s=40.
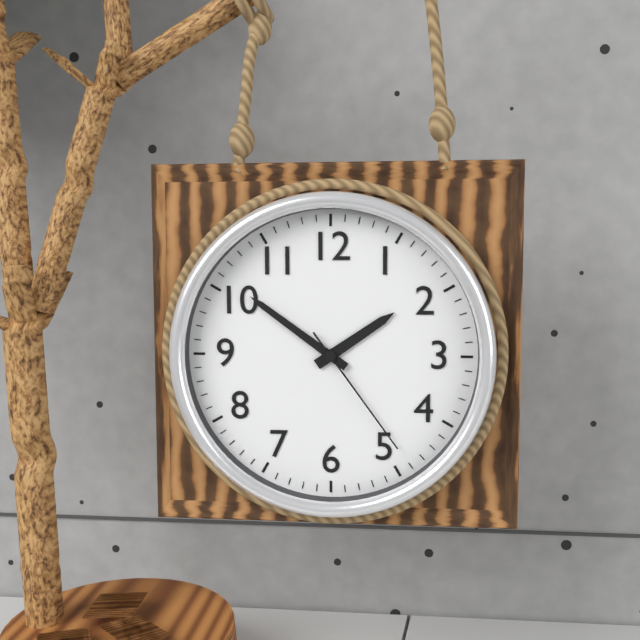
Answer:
h=1 m=51 s=24
